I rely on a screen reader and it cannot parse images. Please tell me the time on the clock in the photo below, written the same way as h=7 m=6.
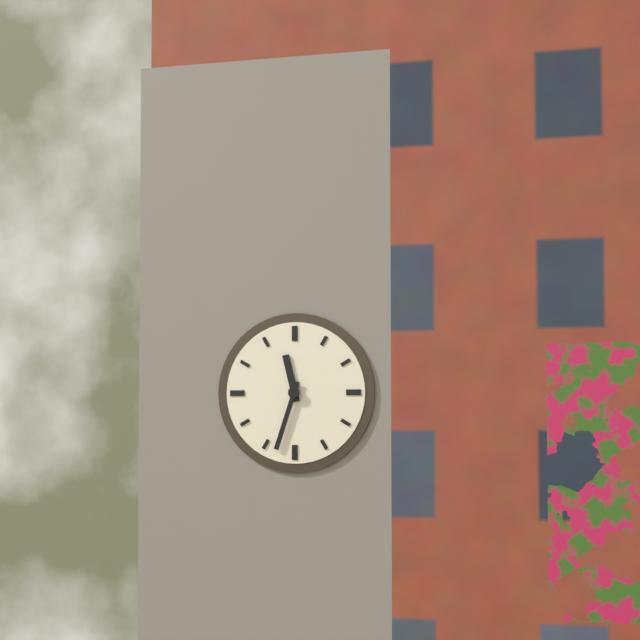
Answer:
h=11 m=33
